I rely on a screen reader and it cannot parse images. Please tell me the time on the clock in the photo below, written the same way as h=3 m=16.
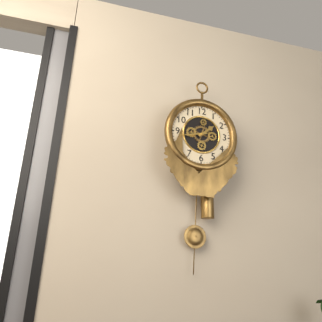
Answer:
h=1 m=43
